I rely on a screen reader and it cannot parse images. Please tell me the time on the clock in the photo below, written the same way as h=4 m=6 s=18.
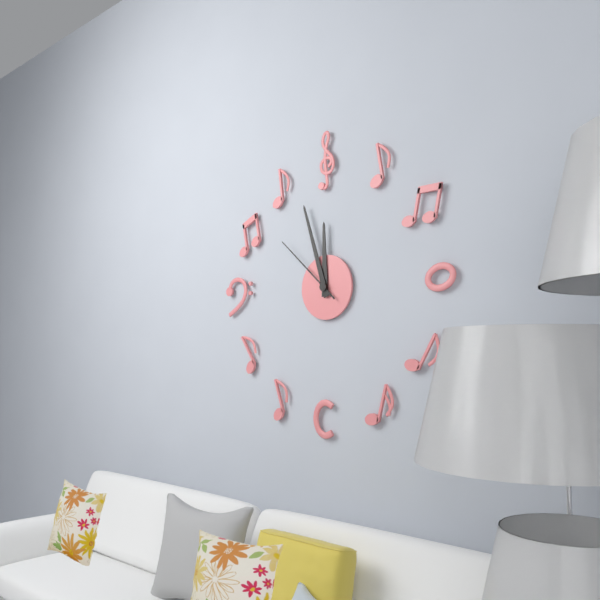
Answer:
h=11 m=57 s=52
